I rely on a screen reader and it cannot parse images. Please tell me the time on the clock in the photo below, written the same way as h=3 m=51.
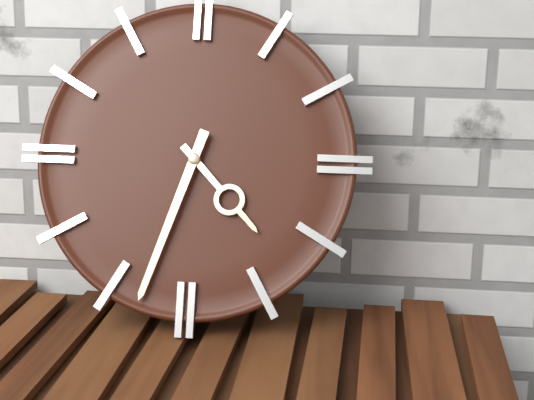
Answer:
h=4 m=33
